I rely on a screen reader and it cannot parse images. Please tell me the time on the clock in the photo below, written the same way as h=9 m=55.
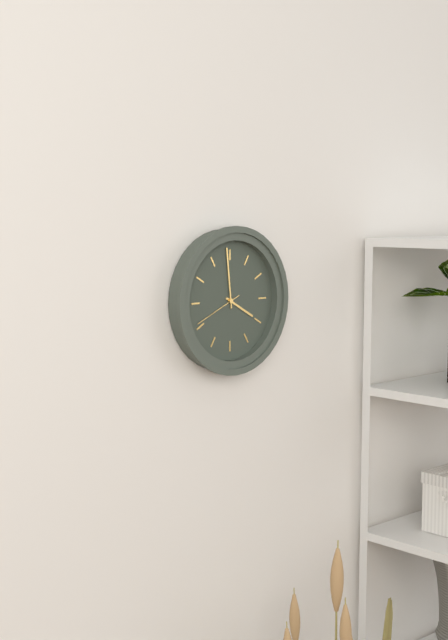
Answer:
h=3 m=59
